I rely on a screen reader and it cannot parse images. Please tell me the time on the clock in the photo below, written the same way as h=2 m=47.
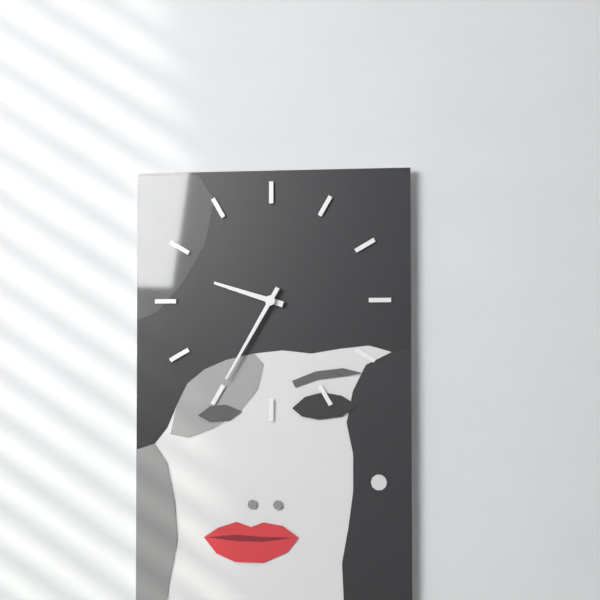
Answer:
h=9 m=35
